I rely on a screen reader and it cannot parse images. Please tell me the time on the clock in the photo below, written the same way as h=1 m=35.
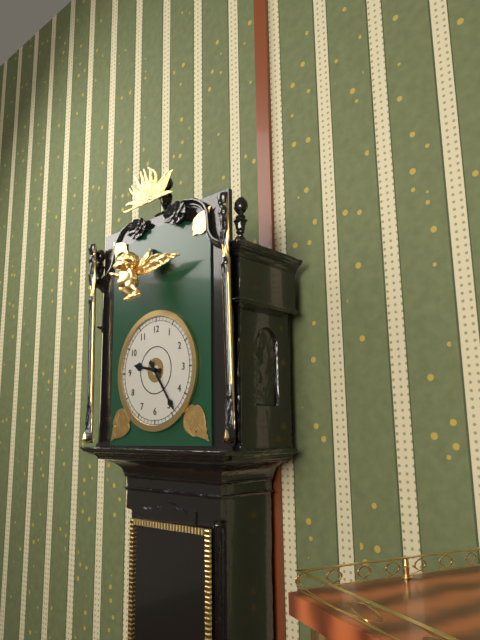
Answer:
h=9 m=24
